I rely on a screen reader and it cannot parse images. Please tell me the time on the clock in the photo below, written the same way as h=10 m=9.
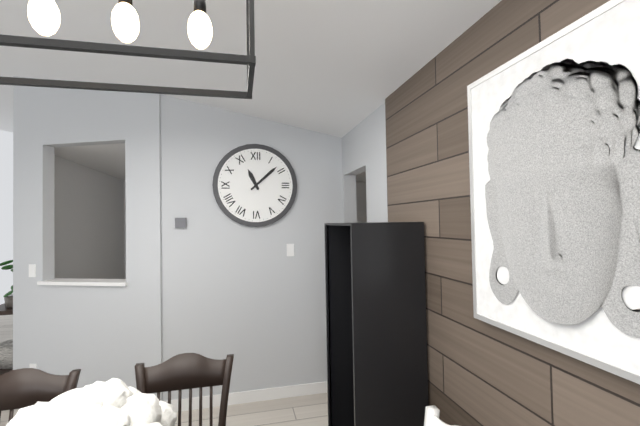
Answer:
h=11 m=8
